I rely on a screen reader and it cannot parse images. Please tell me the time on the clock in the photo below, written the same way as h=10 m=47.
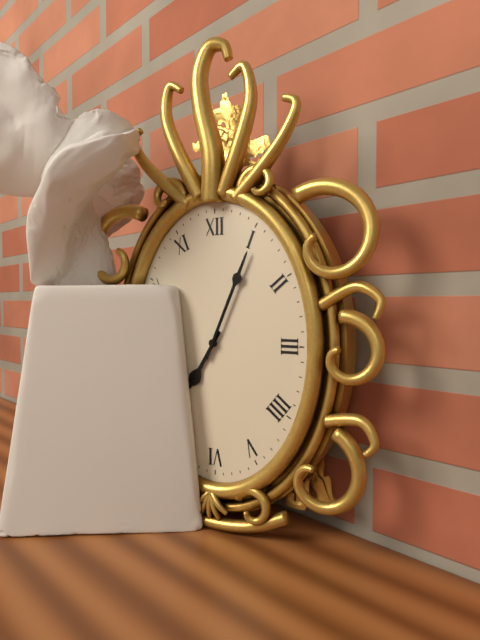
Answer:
h=7 m=4
